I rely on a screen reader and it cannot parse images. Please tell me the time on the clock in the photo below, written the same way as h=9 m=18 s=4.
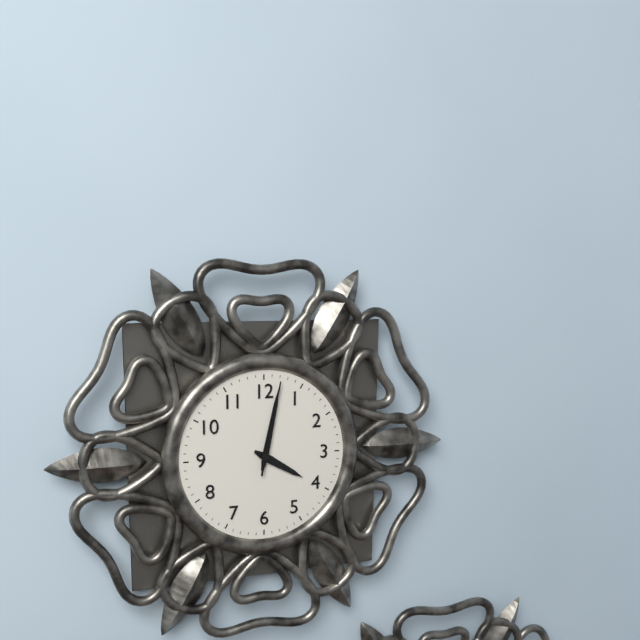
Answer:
h=4 m=2 s=2
